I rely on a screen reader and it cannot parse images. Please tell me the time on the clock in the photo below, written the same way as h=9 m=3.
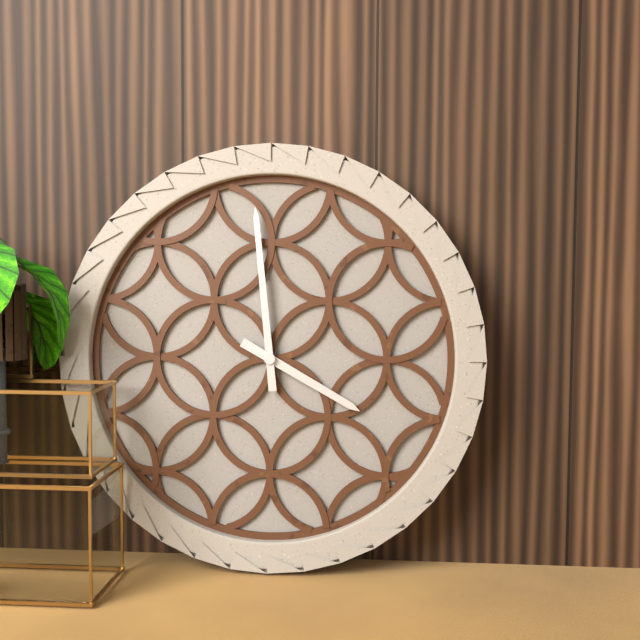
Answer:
h=3 m=59
